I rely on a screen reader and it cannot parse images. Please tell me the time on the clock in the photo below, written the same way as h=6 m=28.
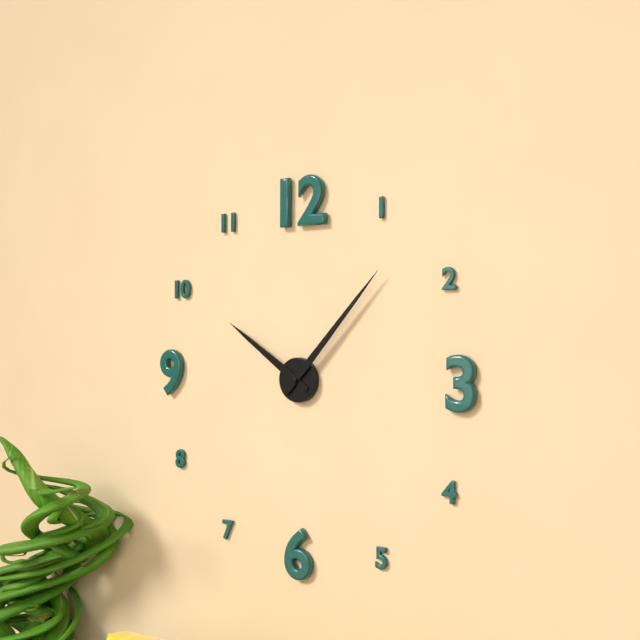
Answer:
h=10 m=7
